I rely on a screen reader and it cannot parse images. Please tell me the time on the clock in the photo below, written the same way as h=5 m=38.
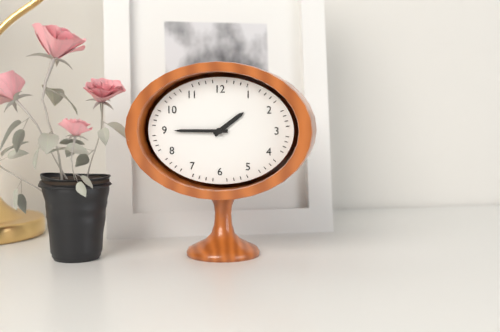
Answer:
h=1 m=45
